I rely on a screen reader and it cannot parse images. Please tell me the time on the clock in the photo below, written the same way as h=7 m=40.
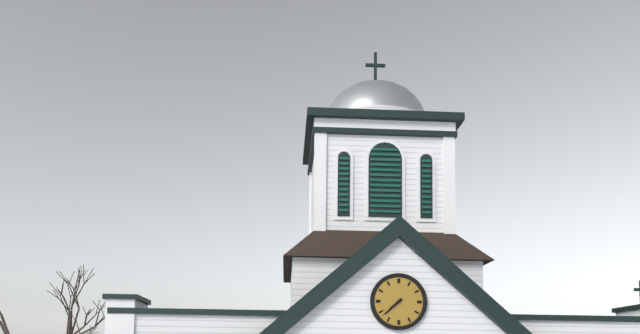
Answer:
h=7 m=38
